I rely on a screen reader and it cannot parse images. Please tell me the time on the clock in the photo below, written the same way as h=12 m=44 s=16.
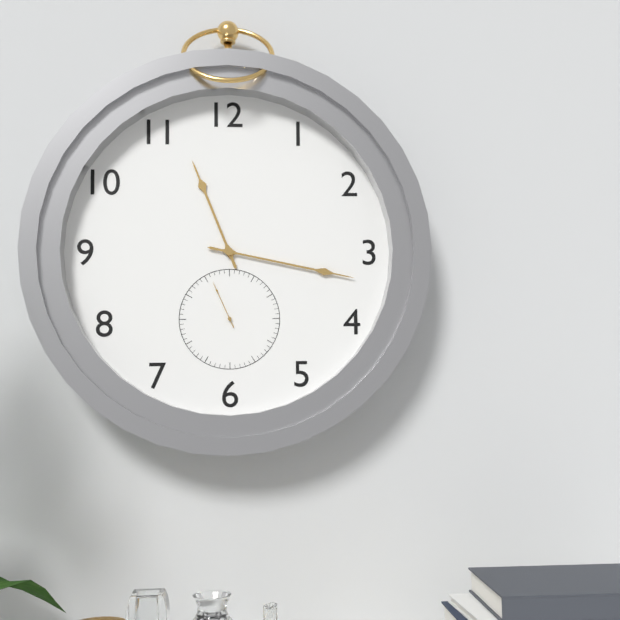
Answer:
h=11 m=17 s=56
